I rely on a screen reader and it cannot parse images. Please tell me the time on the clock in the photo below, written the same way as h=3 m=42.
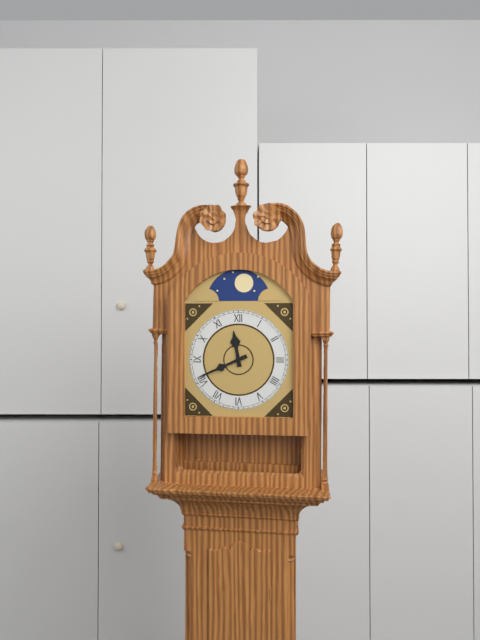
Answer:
h=11 m=41
